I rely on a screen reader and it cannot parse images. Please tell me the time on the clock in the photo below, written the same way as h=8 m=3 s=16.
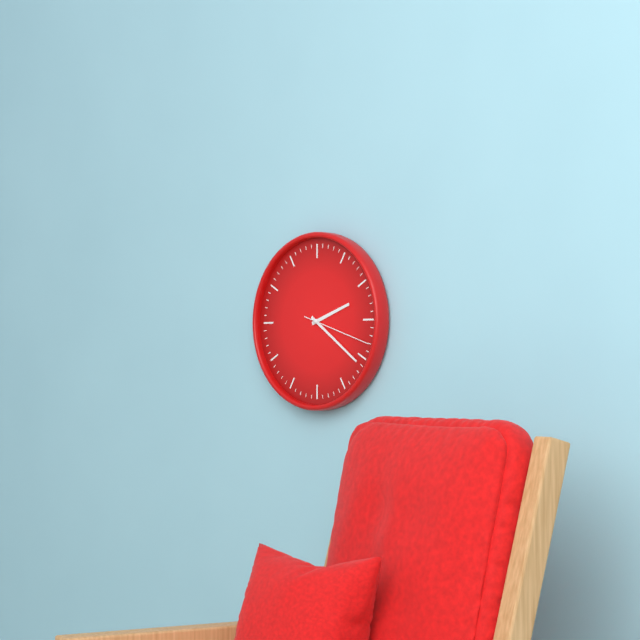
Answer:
h=2 m=21 s=18
